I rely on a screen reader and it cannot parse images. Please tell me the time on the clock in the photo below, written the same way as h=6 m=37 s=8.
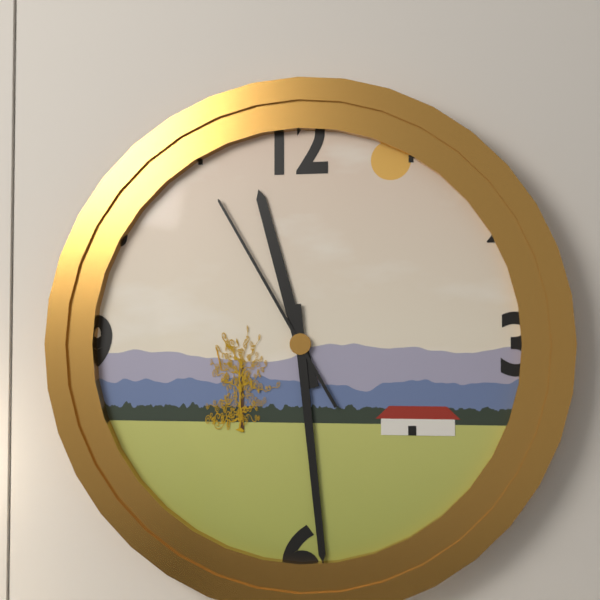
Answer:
h=11 m=29 s=55
